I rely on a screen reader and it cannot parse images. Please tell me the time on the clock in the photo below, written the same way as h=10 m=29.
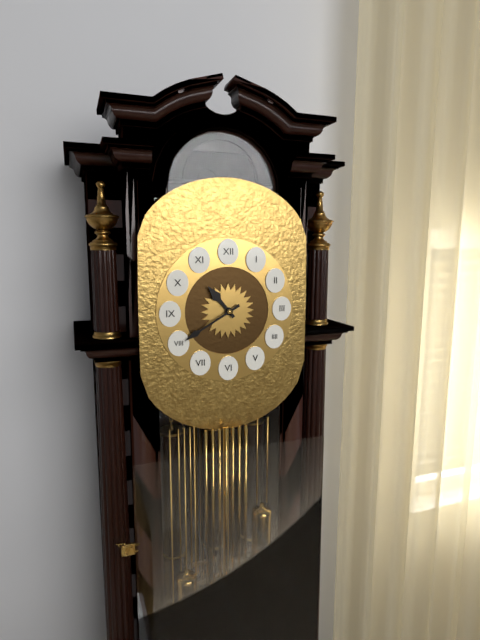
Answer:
h=10 m=40
